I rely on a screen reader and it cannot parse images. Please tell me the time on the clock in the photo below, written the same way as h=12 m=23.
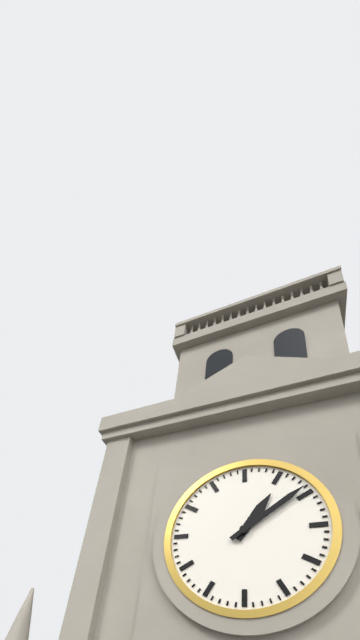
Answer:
h=1 m=9
